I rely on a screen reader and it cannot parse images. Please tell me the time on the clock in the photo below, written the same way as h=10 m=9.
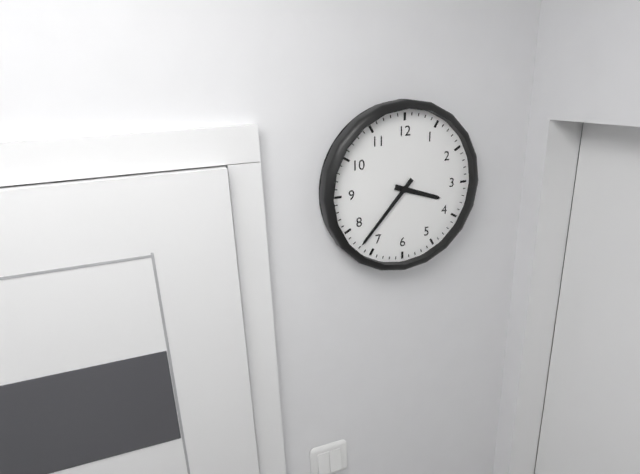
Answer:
h=3 m=37
